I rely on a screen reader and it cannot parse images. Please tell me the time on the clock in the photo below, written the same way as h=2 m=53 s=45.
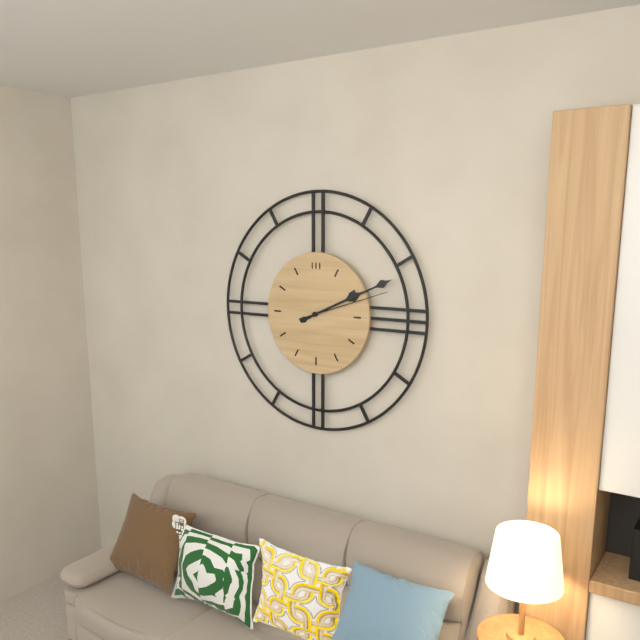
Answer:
h=2 m=11 s=12
